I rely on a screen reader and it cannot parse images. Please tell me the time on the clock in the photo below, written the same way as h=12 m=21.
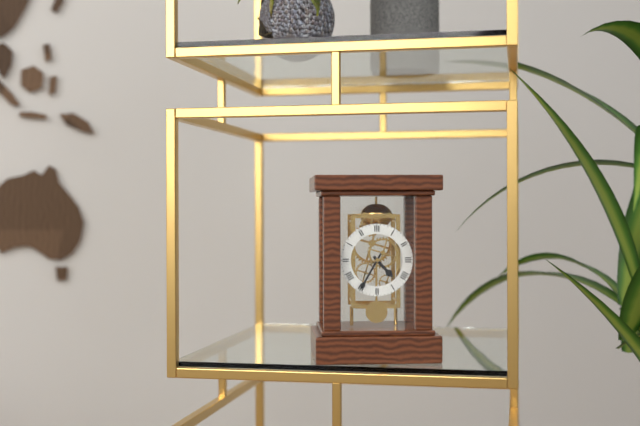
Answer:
h=4 m=35
